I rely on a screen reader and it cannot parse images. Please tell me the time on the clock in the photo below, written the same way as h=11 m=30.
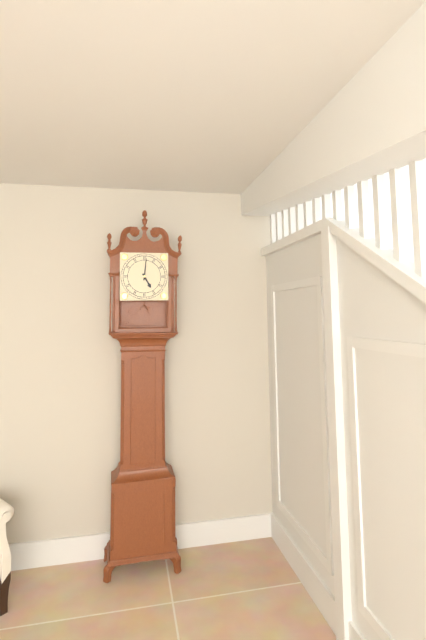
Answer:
h=5 m=1
